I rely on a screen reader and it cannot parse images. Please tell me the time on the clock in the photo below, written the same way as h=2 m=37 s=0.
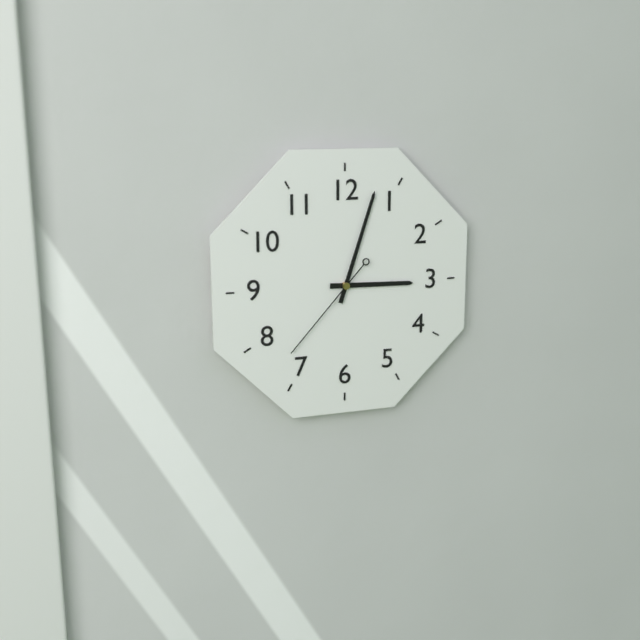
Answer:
h=3 m=3 s=37
